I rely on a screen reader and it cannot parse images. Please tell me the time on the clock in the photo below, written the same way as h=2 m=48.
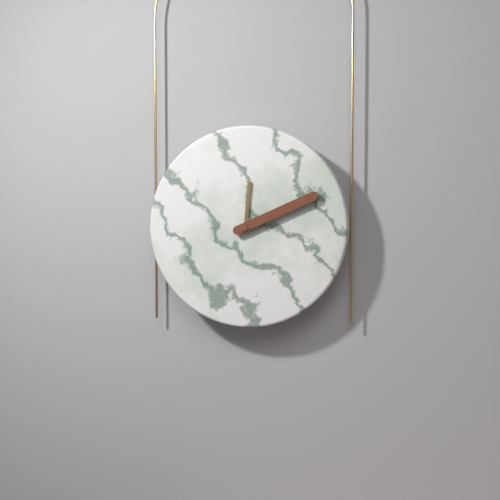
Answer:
h=12 m=11
